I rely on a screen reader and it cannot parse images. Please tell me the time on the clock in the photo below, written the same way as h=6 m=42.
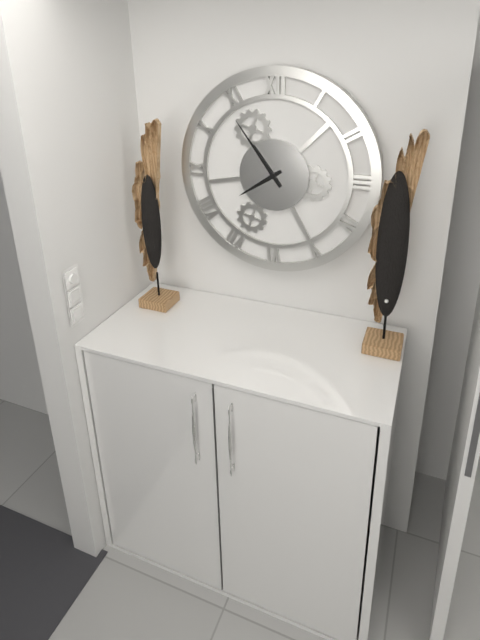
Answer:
h=7 m=54
